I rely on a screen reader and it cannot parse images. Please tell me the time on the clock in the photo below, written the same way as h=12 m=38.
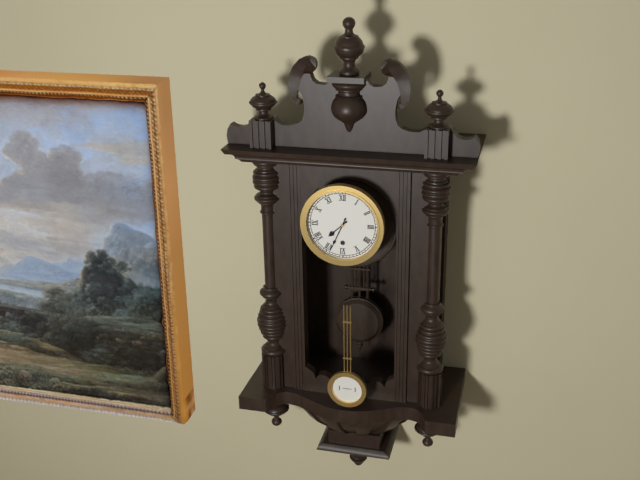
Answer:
h=7 m=34
